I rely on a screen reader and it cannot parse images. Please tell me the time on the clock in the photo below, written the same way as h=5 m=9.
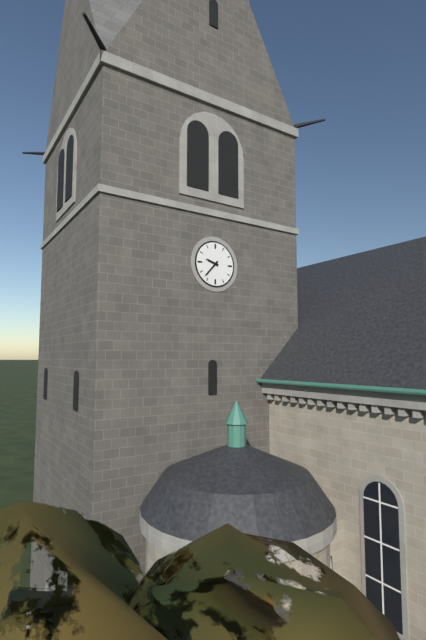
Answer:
h=9 m=37
